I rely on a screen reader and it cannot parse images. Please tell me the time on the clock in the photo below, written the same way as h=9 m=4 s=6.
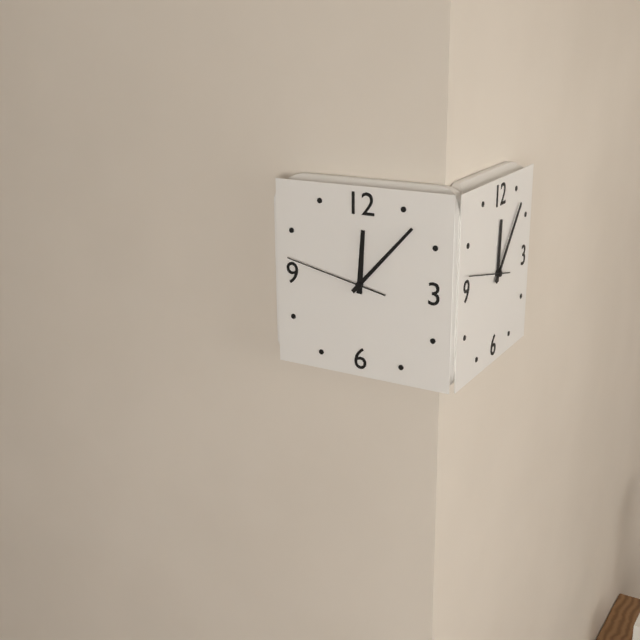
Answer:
h=12 m=7 s=47
